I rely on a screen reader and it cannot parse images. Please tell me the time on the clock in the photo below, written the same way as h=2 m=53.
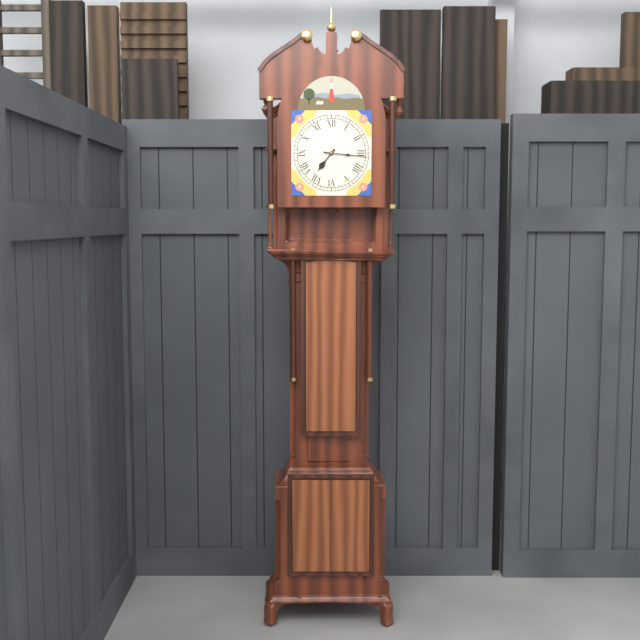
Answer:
h=7 m=16
